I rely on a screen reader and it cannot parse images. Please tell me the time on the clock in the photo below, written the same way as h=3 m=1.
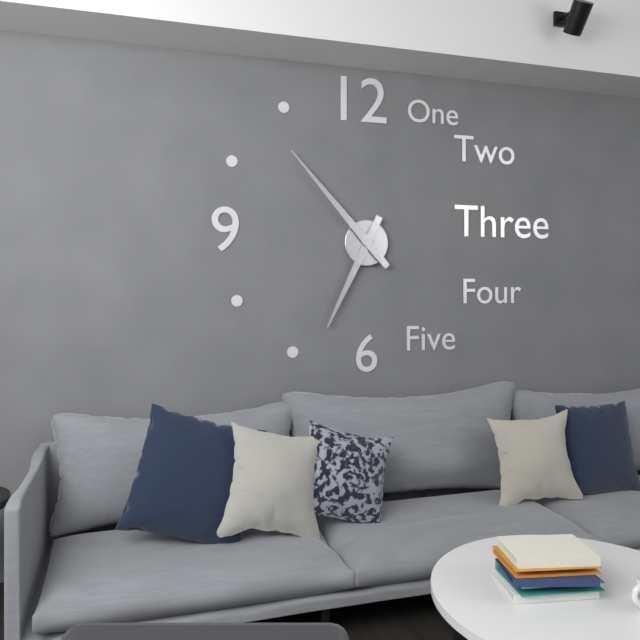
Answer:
h=6 m=53
